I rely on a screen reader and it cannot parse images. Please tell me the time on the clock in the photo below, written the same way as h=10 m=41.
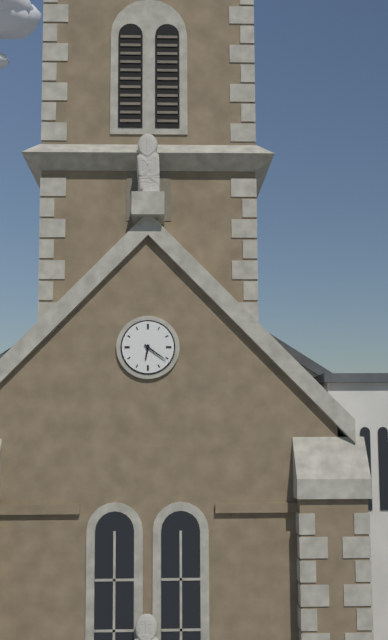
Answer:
h=6 m=21
